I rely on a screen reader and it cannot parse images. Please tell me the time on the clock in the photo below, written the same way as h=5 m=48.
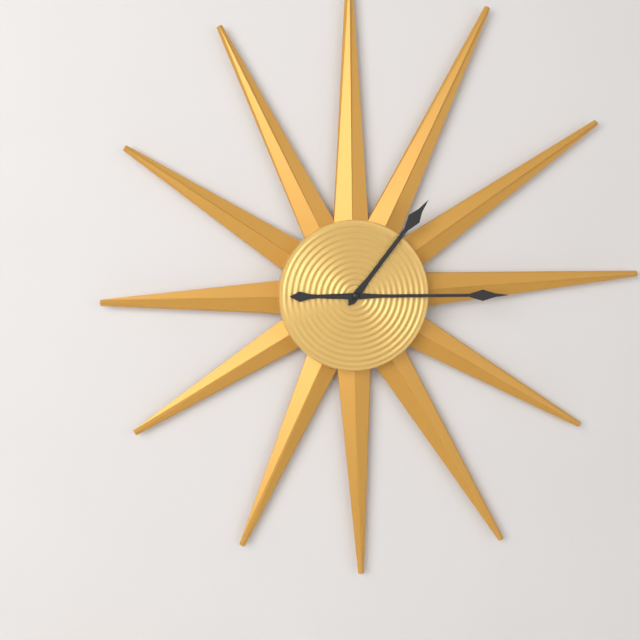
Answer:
h=1 m=15
